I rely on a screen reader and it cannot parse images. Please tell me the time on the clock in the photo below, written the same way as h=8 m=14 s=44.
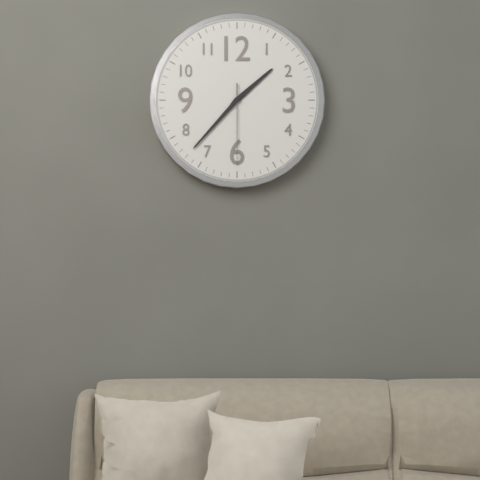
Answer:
h=1 m=37 s=30
